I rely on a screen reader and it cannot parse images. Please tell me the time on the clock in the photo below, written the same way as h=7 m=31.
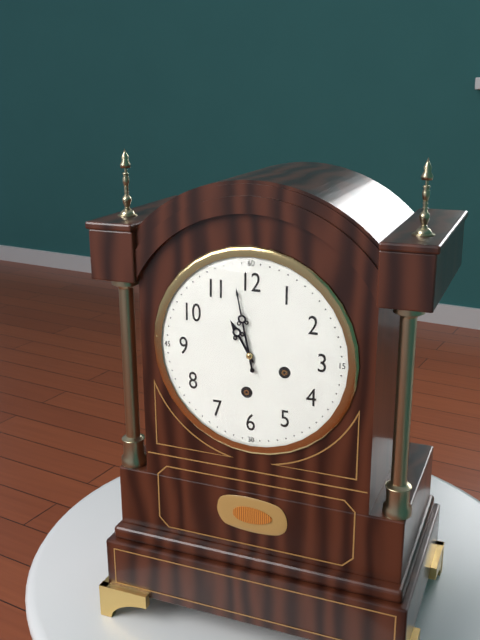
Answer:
h=10 m=58
